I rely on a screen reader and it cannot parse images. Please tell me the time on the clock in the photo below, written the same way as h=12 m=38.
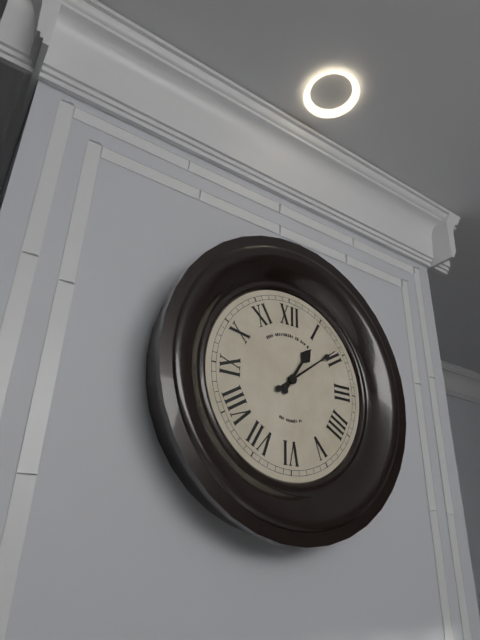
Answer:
h=1 m=9
